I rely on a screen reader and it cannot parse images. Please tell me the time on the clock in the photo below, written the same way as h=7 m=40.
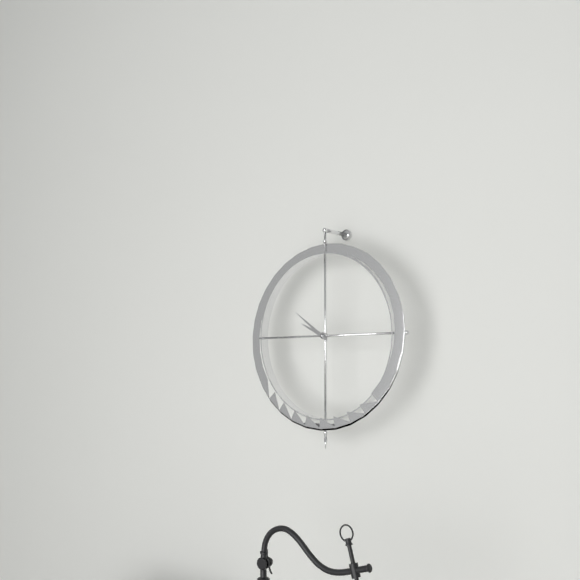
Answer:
h=9 m=51
